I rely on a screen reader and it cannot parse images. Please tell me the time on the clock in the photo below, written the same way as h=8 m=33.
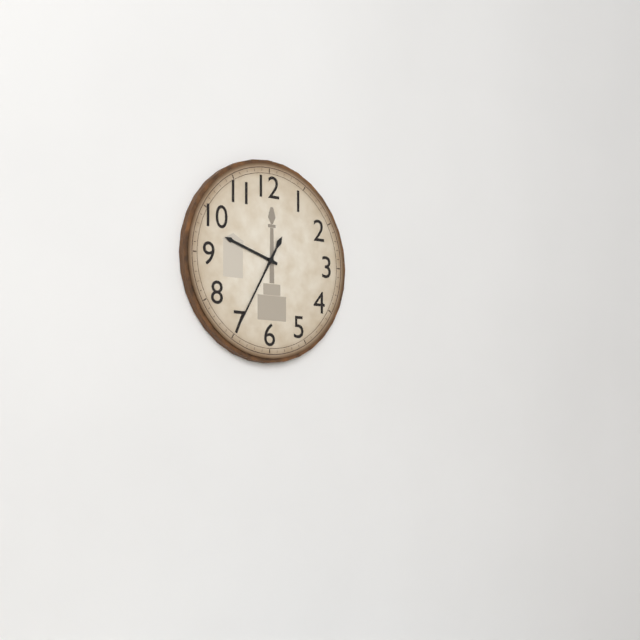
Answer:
h=9 m=35
